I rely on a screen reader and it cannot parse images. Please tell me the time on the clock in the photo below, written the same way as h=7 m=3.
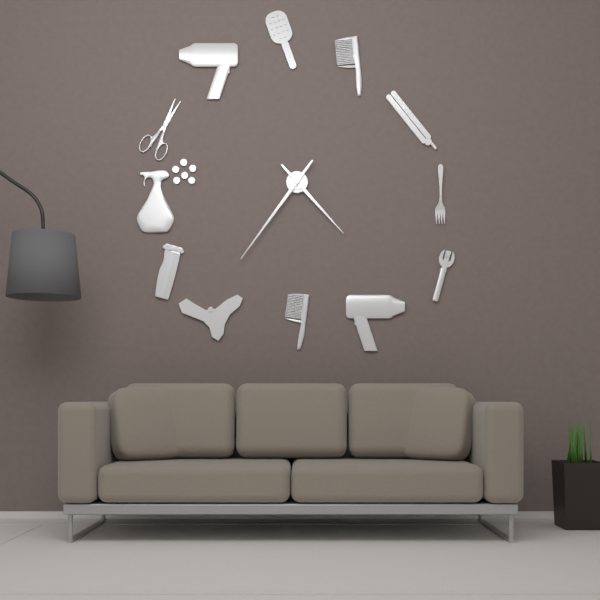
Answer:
h=4 m=36
